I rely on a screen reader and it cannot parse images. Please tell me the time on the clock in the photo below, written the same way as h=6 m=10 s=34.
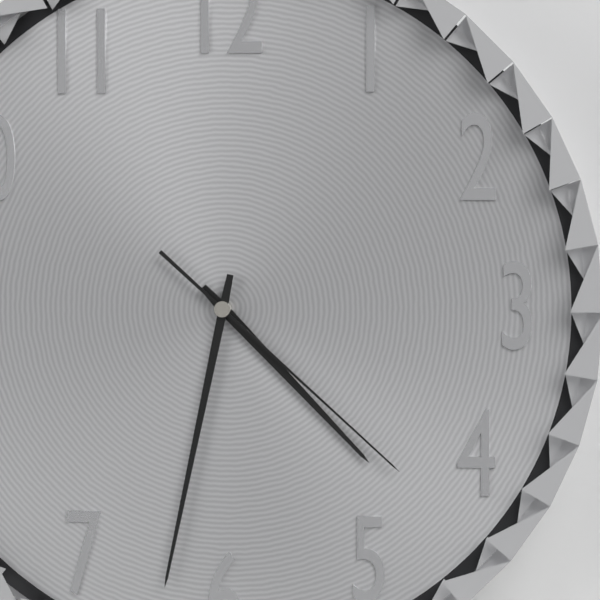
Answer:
h=4 m=32 s=22
